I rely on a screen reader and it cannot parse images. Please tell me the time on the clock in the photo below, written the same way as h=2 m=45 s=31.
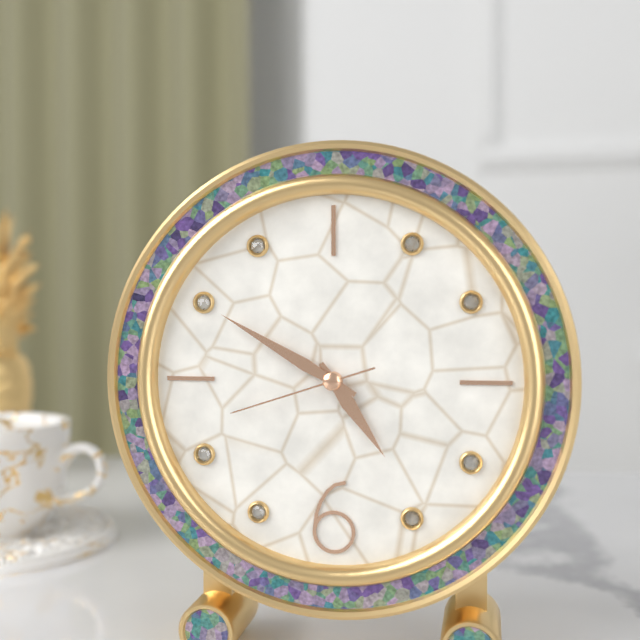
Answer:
h=4 m=50 s=42
